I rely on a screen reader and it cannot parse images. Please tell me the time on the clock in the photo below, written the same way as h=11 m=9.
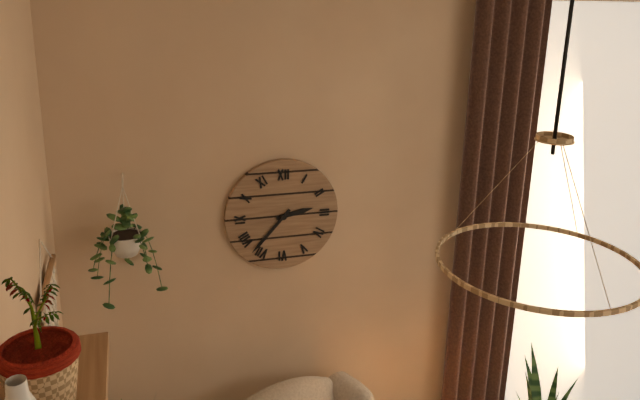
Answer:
h=2 m=37
